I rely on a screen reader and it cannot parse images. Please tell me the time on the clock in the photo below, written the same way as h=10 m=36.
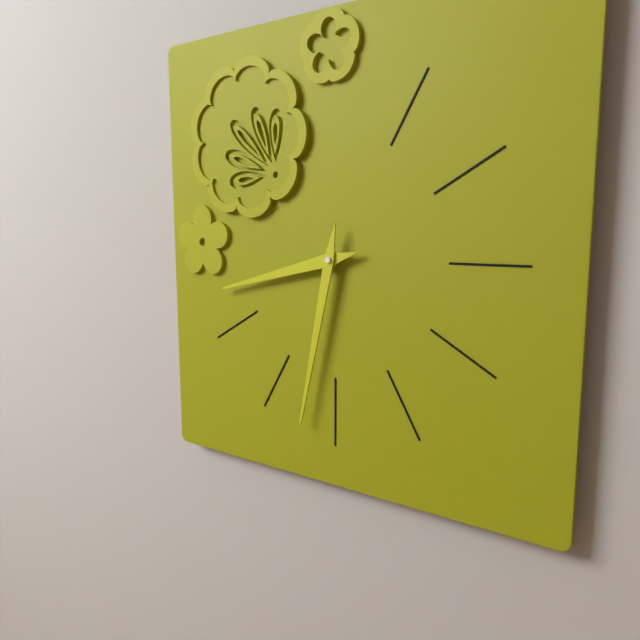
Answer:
h=8 m=32
